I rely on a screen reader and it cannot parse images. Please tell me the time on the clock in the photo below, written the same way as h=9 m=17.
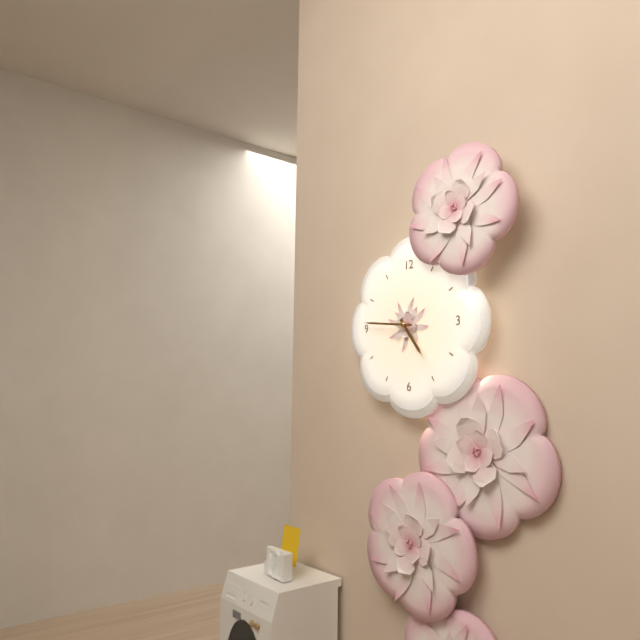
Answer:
h=4 m=46
